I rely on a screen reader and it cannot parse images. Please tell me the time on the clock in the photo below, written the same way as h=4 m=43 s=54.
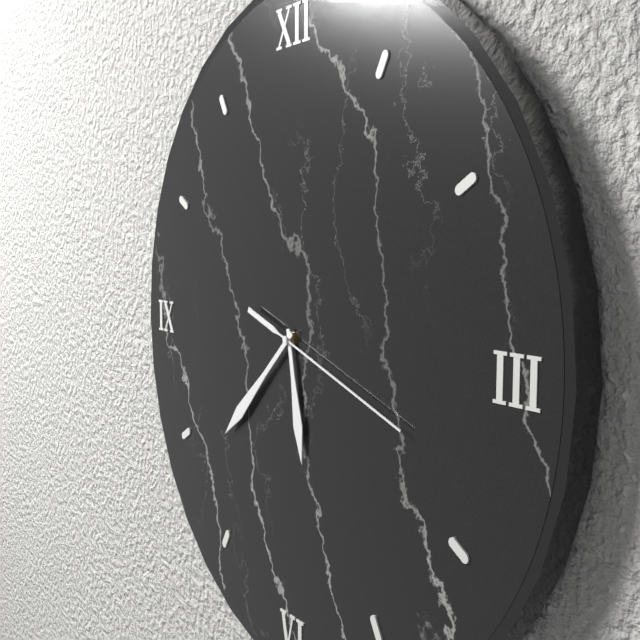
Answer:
h=5 m=38 s=18
